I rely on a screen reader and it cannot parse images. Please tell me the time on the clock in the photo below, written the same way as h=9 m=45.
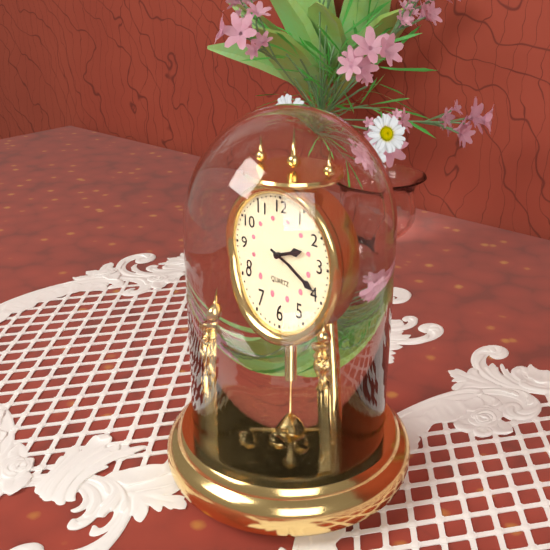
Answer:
h=2 m=19
